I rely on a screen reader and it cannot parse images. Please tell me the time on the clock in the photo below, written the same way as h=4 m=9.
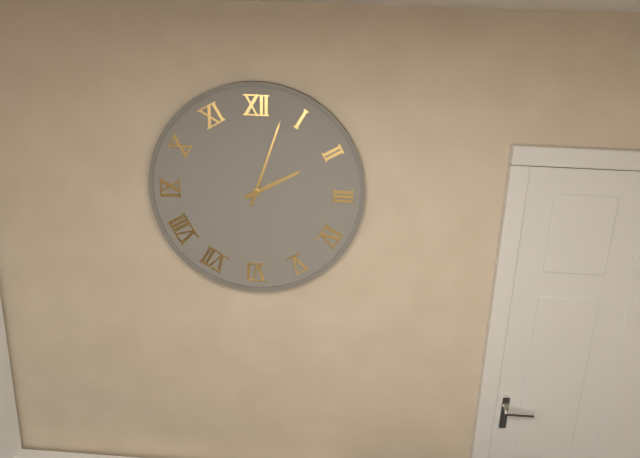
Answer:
h=2 m=3
